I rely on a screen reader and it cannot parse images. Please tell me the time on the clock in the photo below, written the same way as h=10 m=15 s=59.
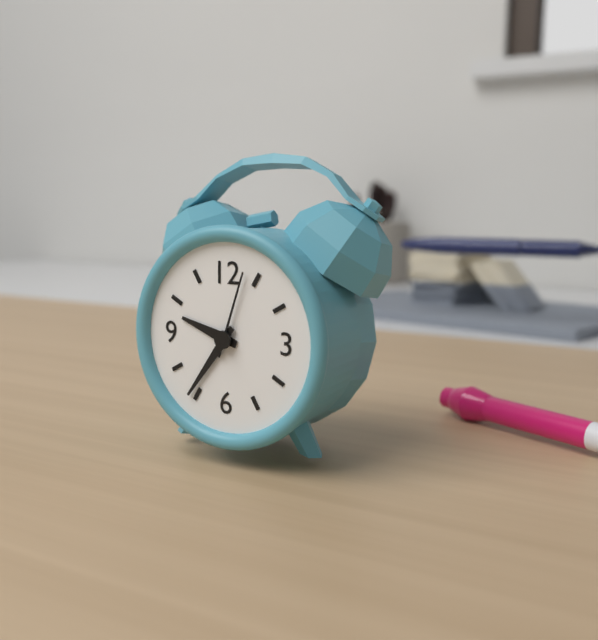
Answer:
h=9 m=36 s=3
